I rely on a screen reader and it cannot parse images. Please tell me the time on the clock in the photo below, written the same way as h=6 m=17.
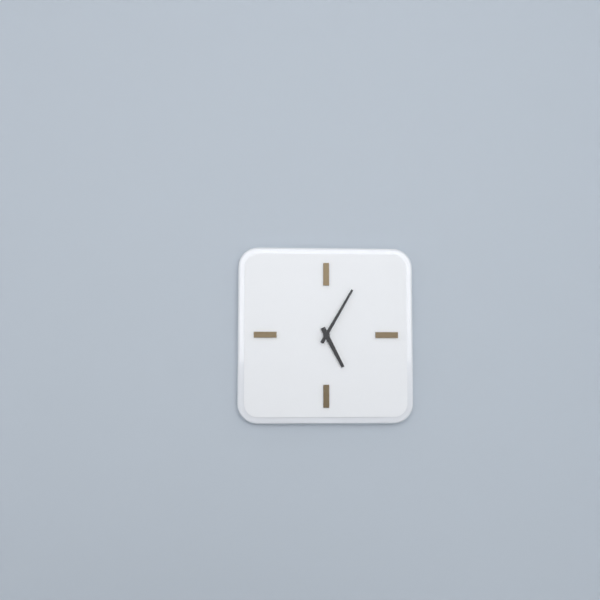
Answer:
h=5 m=5
